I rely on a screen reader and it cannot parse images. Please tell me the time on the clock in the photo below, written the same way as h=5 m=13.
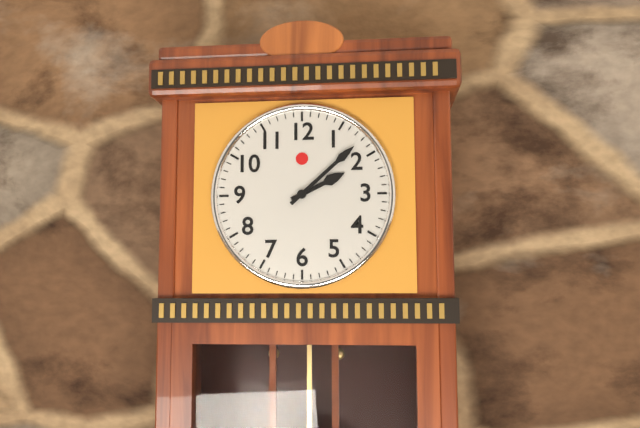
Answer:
h=2 m=8
